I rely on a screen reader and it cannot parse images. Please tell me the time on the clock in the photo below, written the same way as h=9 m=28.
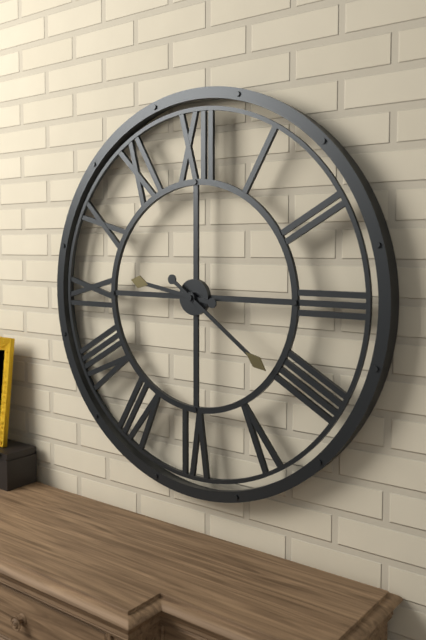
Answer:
h=9 m=21
